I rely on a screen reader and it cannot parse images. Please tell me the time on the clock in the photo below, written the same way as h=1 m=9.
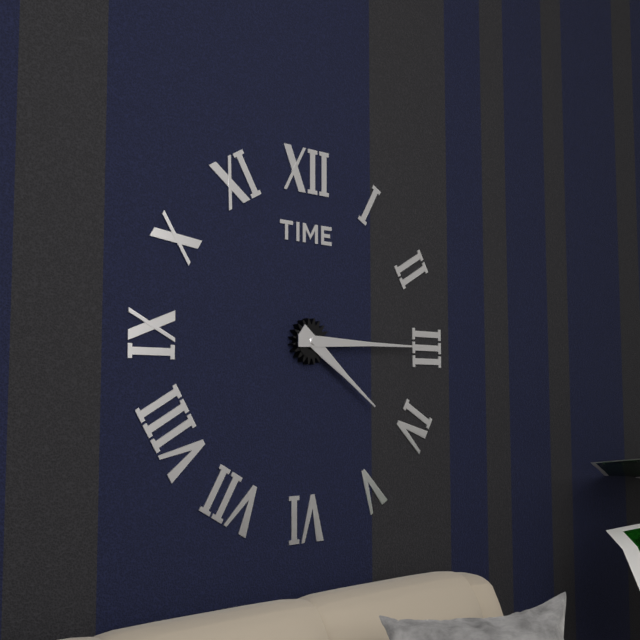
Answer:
h=4 m=15
